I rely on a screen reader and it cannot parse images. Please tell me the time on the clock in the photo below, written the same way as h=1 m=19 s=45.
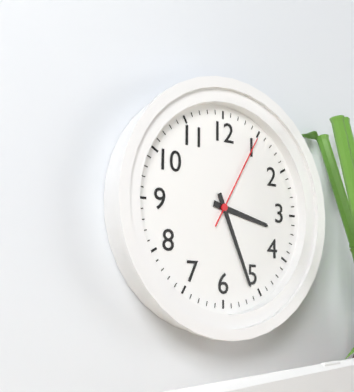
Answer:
h=3 m=26 s=5
